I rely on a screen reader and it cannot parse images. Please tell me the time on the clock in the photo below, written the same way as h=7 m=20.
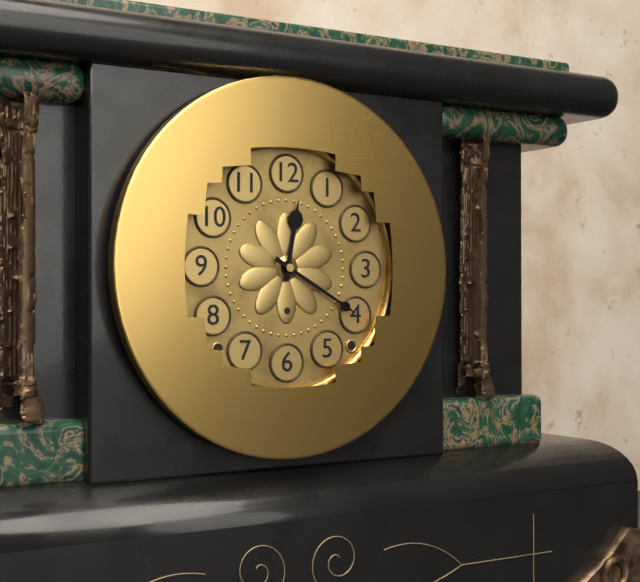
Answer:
h=12 m=20
